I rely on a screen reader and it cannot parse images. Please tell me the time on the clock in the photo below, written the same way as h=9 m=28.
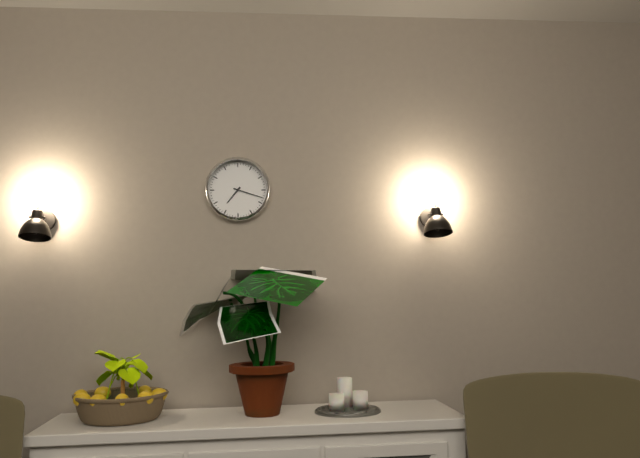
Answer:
h=7 m=18
